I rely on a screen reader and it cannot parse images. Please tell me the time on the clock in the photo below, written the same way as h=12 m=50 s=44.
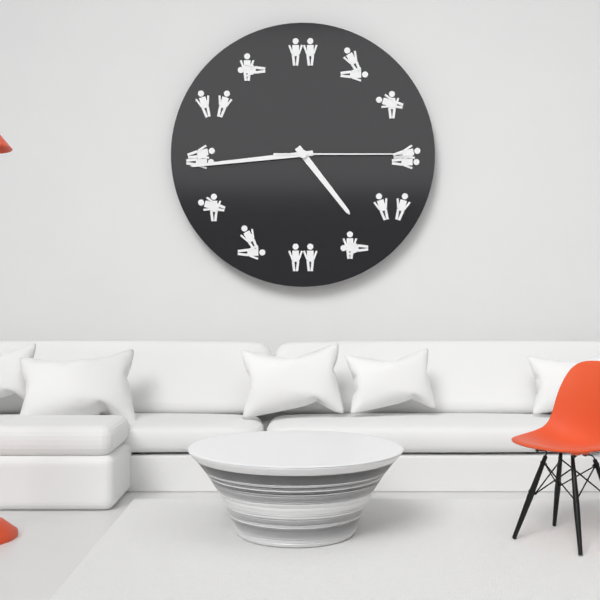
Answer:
h=4 m=44 s=15
